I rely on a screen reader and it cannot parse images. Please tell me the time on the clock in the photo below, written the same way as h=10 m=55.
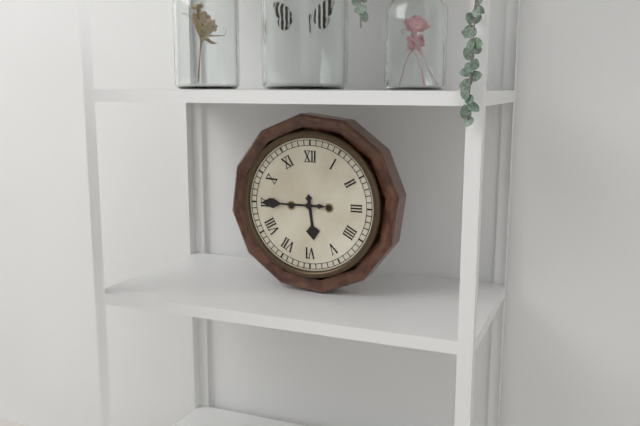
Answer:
h=5 m=45
